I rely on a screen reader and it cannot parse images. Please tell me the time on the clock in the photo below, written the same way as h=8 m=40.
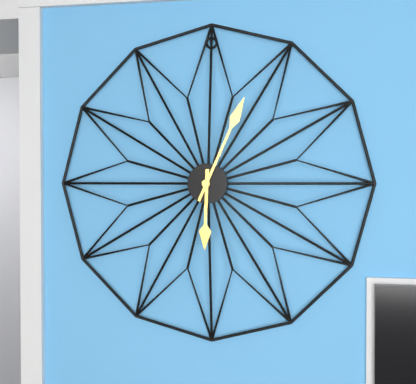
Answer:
h=6 m=4
